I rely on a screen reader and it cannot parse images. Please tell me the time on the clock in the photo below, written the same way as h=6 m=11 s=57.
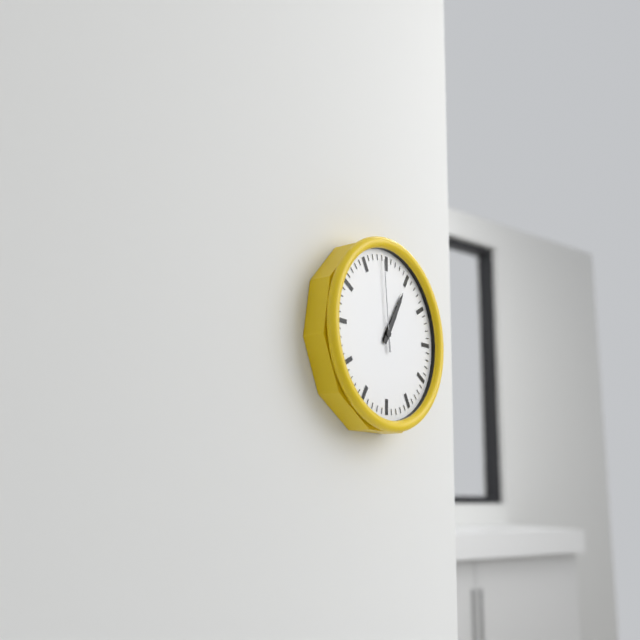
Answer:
h=1 m=5 s=59
